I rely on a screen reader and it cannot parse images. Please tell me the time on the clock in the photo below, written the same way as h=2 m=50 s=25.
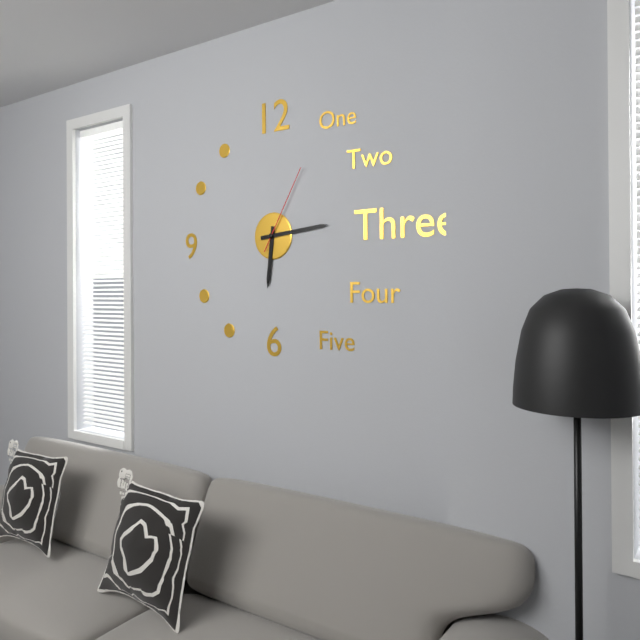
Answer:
h=6 m=14 s=5
